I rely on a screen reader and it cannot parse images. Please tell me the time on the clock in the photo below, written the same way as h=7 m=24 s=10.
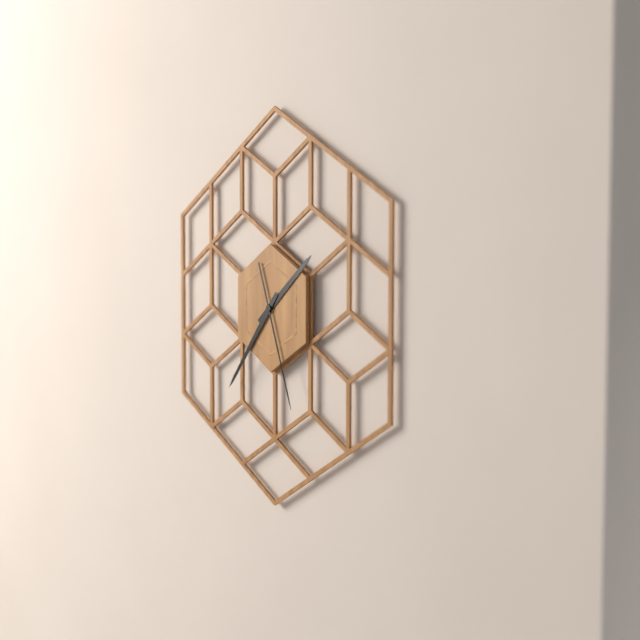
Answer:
h=1 m=36 s=27
